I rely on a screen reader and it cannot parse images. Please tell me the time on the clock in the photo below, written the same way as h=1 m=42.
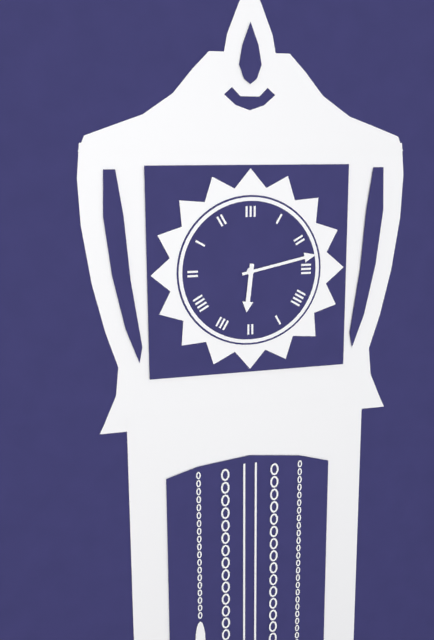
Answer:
h=6 m=13
